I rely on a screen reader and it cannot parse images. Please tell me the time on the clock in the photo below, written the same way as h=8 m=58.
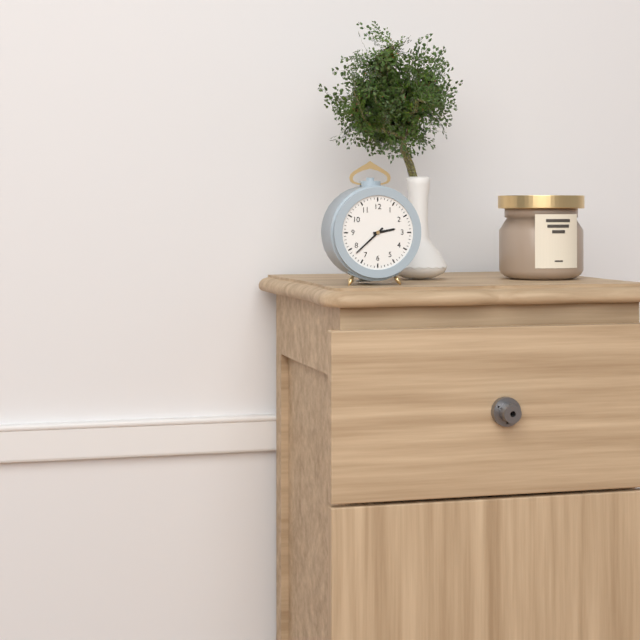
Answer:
h=2 m=38
